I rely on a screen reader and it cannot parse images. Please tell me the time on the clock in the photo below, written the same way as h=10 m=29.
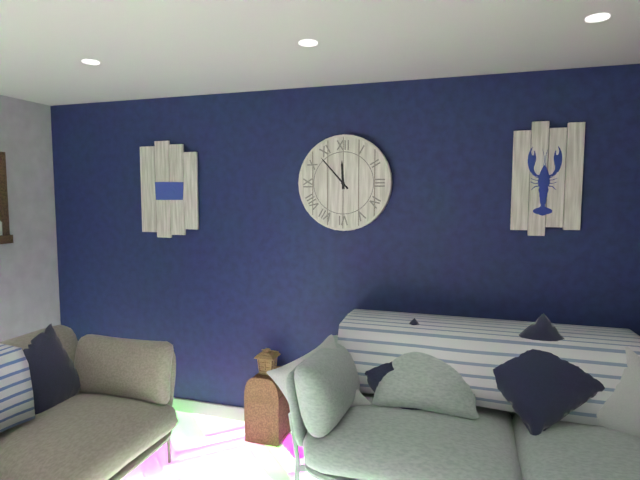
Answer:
h=11 m=53
